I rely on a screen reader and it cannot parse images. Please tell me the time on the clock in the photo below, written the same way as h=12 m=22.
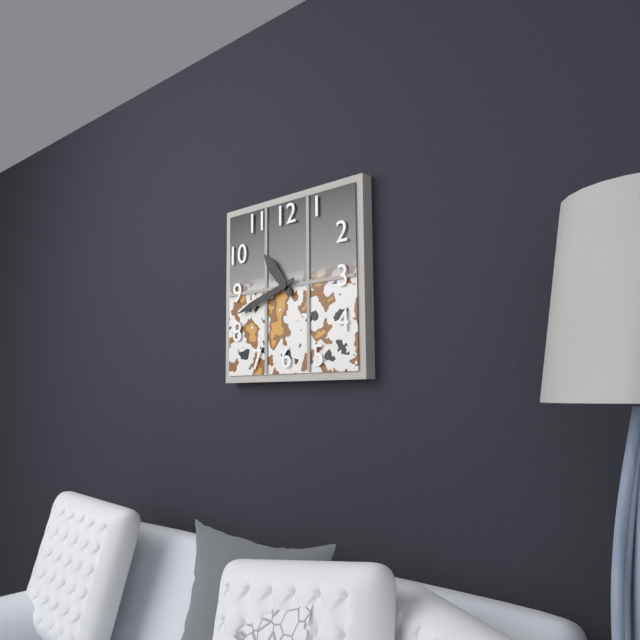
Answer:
h=10 m=42
